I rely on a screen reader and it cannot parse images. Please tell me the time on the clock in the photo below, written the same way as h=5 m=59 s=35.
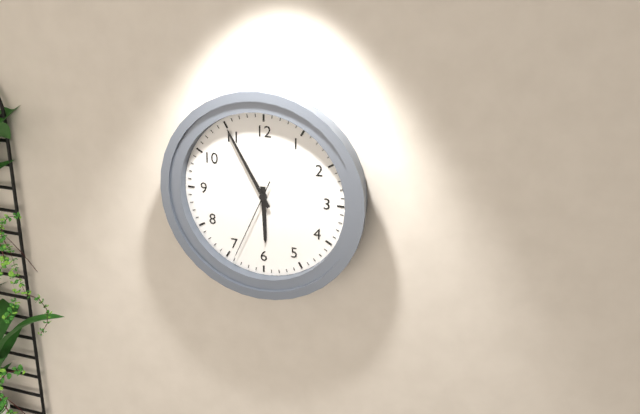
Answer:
h=5 m=55 s=34
